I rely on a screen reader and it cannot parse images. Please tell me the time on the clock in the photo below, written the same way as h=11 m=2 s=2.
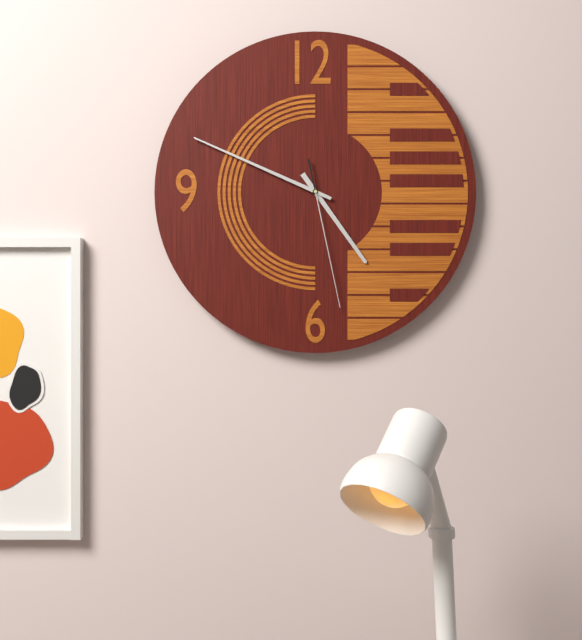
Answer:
h=4 m=49 s=28
